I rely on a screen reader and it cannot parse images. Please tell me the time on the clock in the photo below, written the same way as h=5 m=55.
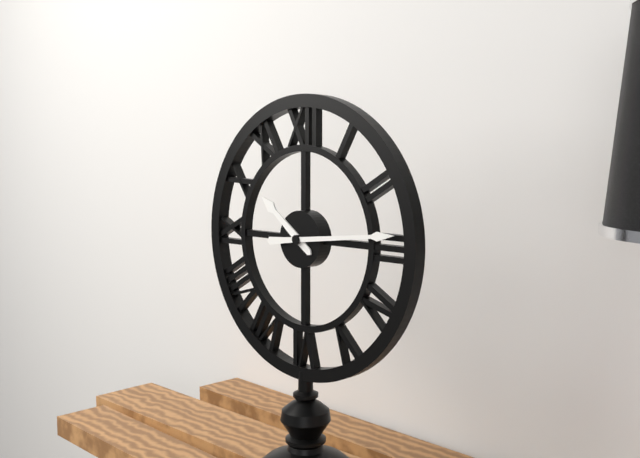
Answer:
h=10 m=14
